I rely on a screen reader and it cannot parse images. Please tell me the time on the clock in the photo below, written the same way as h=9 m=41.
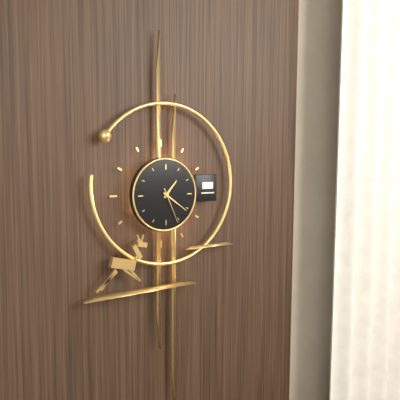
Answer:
h=1 m=21
